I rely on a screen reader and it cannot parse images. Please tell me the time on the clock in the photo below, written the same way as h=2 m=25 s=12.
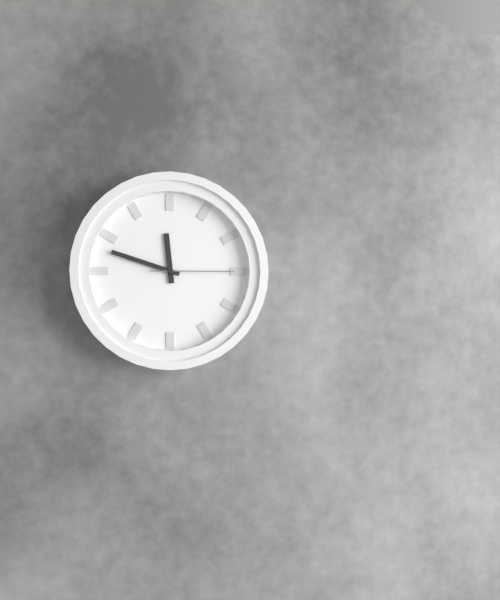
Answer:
h=11 m=48 s=15
